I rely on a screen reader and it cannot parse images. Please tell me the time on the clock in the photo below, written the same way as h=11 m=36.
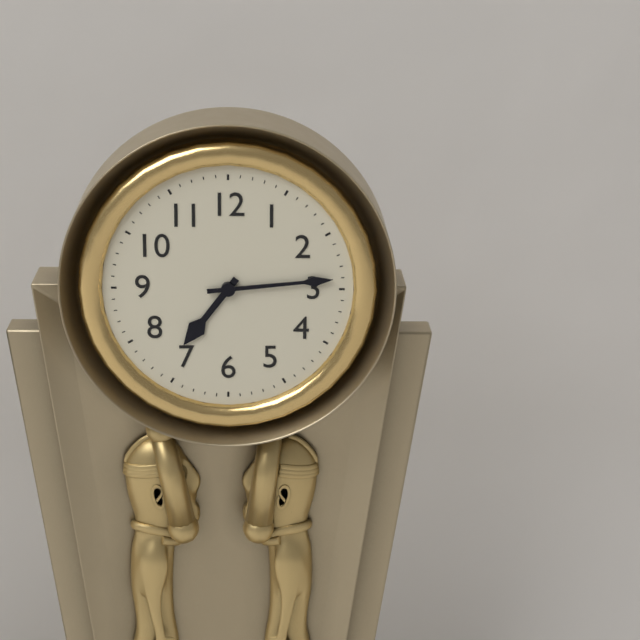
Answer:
h=7 m=14
